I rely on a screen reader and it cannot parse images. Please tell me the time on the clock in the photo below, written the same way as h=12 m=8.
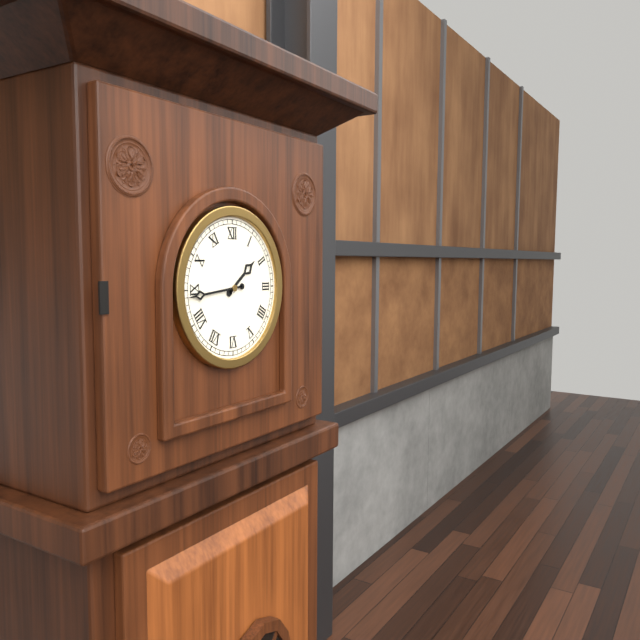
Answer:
h=1 m=44
